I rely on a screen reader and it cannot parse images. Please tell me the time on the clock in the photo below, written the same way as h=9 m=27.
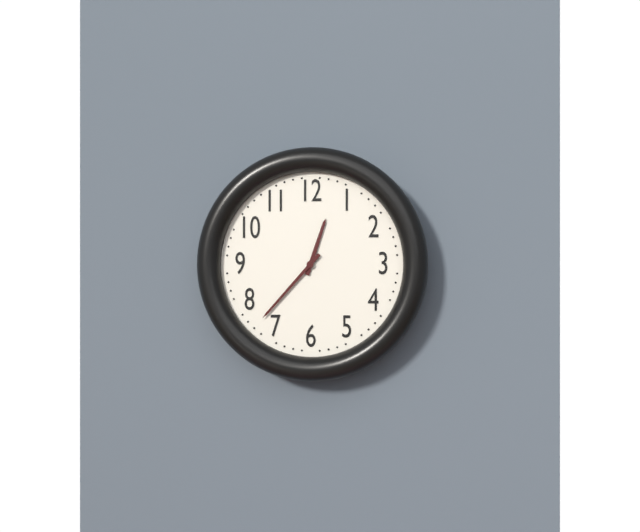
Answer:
h=12 m=37
